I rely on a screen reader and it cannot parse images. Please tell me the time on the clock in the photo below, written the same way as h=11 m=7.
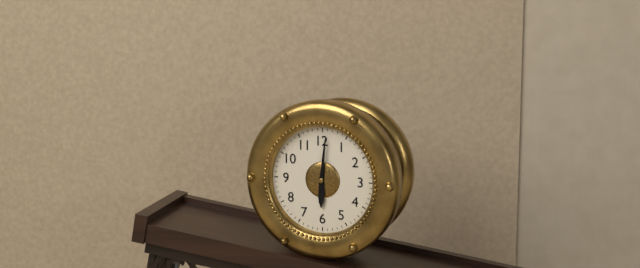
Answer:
h=6 m=1
